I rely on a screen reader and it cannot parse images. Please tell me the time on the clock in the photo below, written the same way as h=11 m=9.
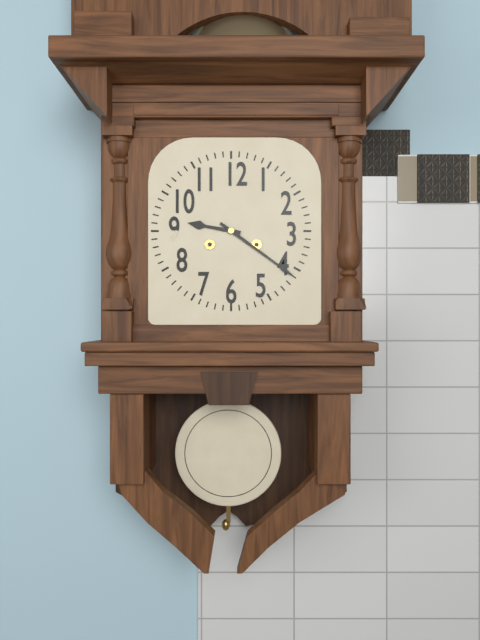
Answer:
h=9 m=21
